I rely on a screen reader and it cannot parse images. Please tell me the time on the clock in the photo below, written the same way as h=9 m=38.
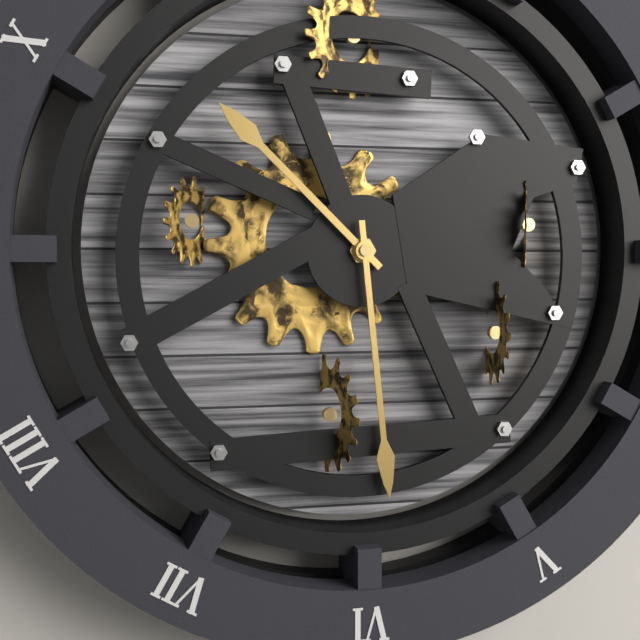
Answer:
h=10 m=29
